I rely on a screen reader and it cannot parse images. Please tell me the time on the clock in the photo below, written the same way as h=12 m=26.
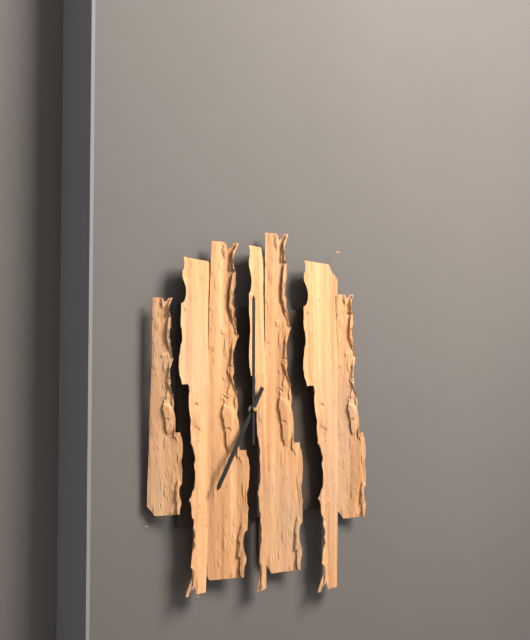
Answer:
h=7 m=0
